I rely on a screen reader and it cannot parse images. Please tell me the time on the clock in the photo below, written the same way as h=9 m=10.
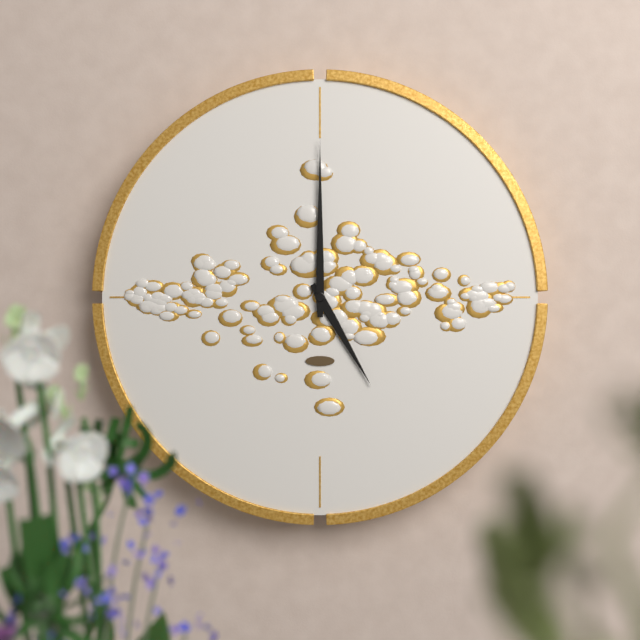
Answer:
h=5 m=0
